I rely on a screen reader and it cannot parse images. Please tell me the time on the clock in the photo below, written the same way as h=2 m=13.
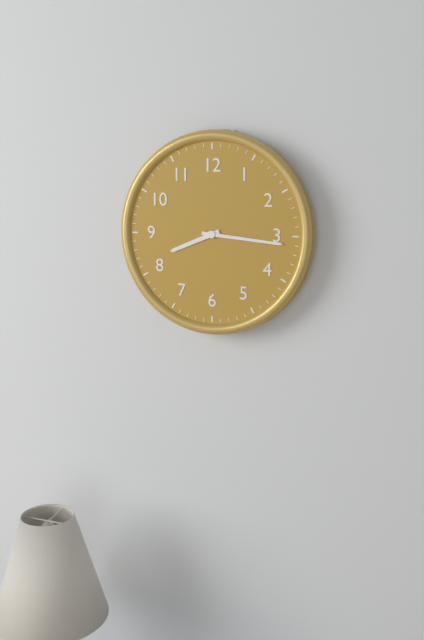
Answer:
h=8 m=16
